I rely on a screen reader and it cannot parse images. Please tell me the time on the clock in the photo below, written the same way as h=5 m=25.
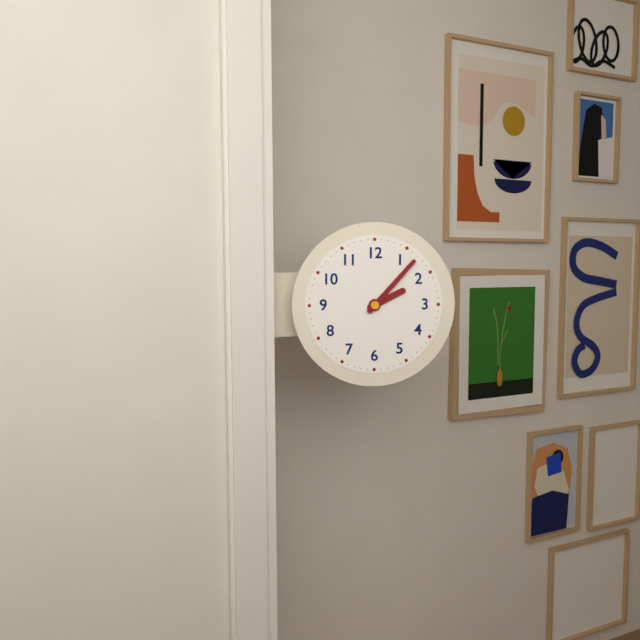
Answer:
h=2 m=7
